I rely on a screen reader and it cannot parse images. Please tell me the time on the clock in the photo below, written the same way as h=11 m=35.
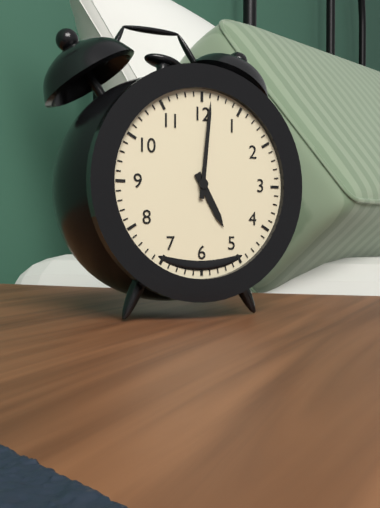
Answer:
h=5 m=1
